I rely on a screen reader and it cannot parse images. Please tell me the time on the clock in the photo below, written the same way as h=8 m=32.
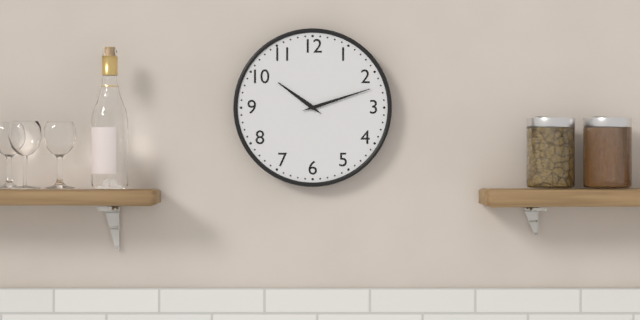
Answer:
h=10 m=12
